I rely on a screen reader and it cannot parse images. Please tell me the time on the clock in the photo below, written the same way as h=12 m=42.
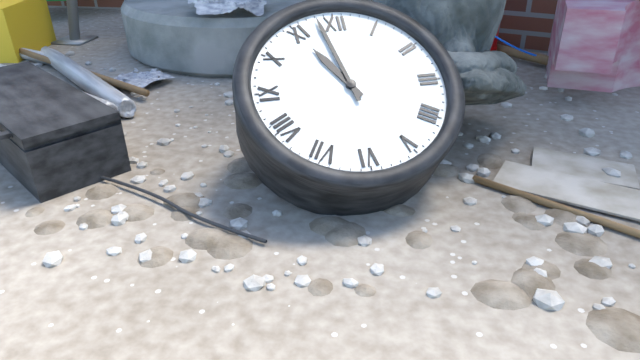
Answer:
h=10 m=58
